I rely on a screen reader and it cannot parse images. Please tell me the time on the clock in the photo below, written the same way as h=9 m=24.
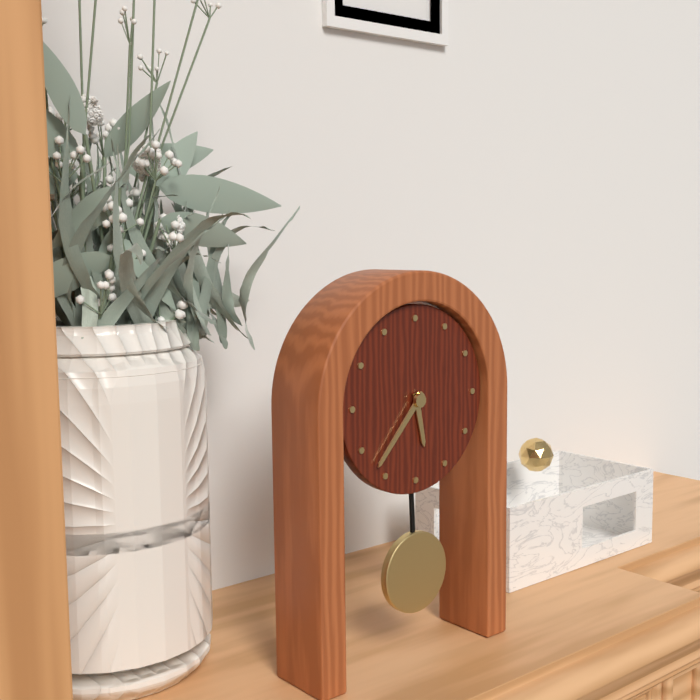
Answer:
h=5 m=37
